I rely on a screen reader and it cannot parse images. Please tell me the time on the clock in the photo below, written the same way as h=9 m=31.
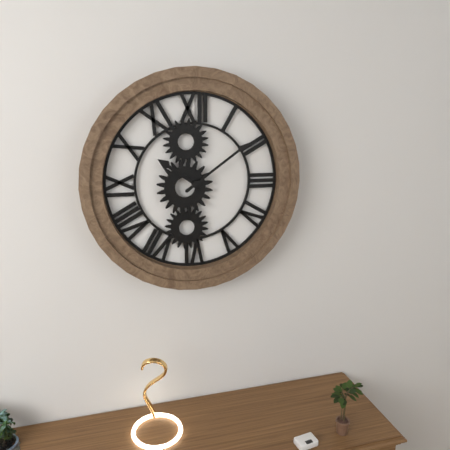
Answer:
h=10 m=9
